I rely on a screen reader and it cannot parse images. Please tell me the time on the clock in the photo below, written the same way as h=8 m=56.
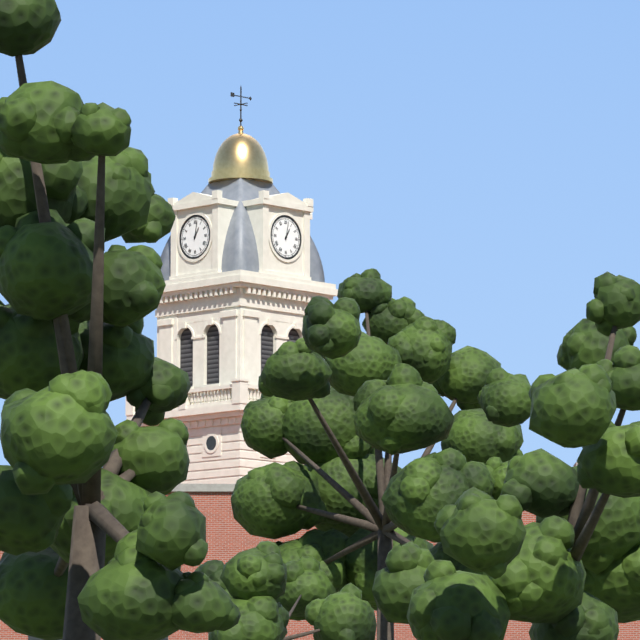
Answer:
h=1 m=2
